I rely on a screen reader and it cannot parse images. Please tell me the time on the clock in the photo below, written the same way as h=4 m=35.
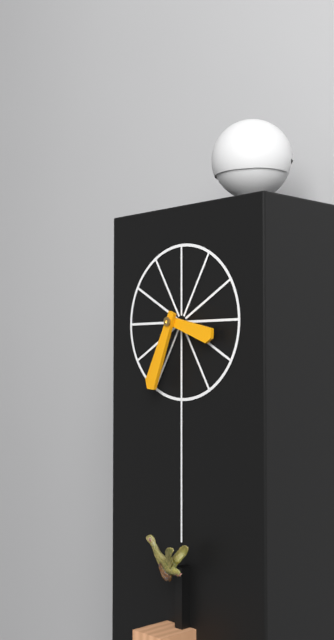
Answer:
h=3 m=34
